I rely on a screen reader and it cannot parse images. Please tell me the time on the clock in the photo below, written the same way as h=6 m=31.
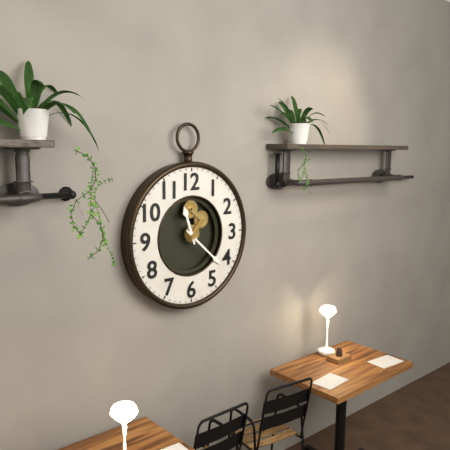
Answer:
h=11 m=22
